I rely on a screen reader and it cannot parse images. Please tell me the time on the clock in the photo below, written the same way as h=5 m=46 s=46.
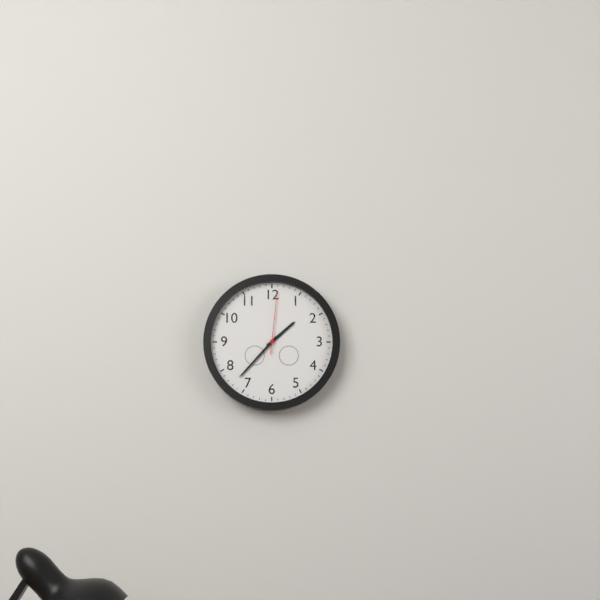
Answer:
h=1 m=37 s=1
